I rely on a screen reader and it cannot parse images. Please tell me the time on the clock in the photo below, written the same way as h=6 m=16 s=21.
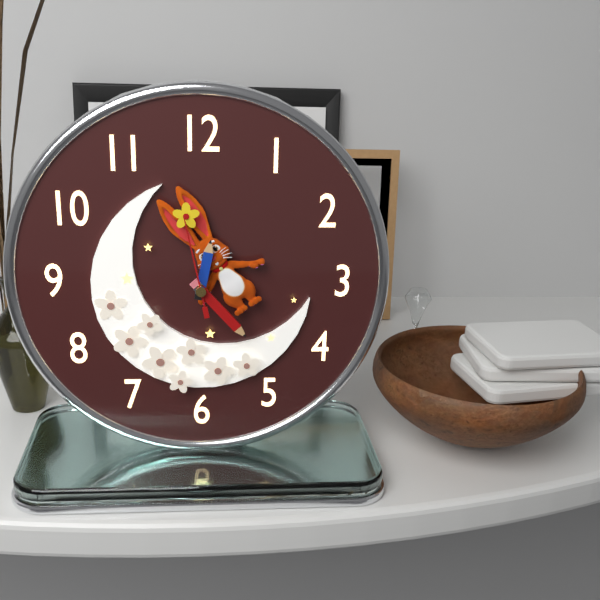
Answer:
h=12 m=23 s=58
